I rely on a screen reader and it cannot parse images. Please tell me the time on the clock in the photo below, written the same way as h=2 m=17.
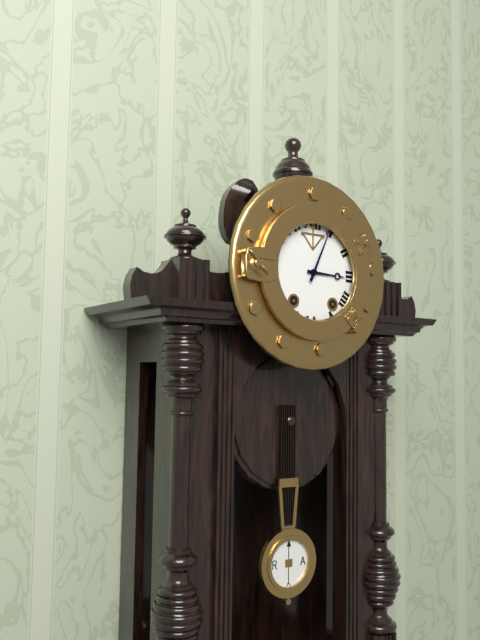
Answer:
h=3 m=4
